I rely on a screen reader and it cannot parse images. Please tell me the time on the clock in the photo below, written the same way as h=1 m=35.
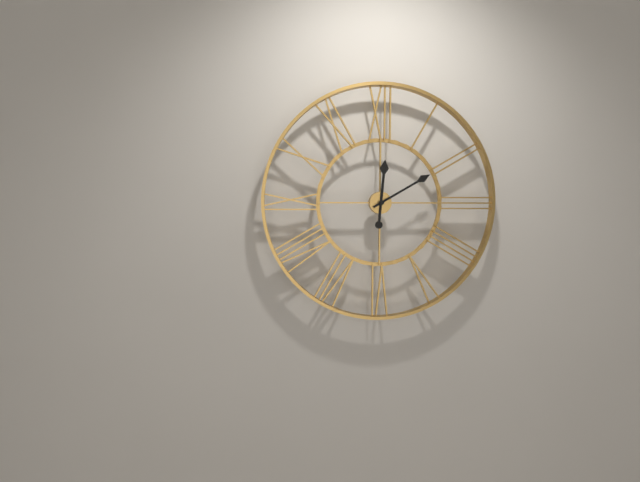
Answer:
h=12 m=10
